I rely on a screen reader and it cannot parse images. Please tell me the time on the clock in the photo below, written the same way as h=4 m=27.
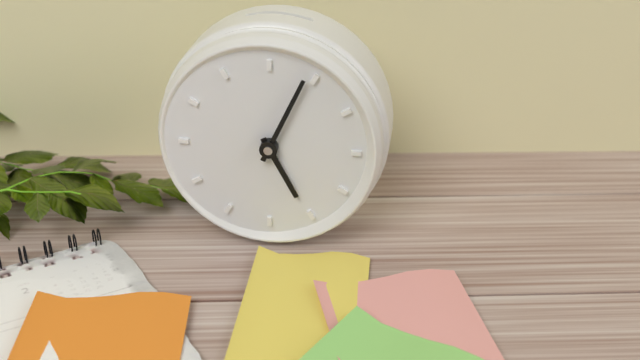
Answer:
h=5 m=4
